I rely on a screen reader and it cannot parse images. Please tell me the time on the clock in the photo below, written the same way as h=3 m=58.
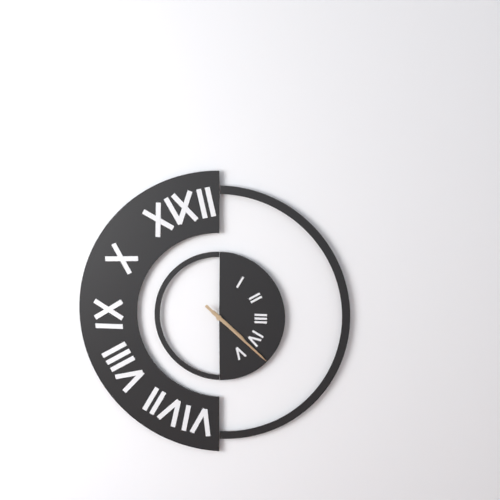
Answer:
h=4 m=22
